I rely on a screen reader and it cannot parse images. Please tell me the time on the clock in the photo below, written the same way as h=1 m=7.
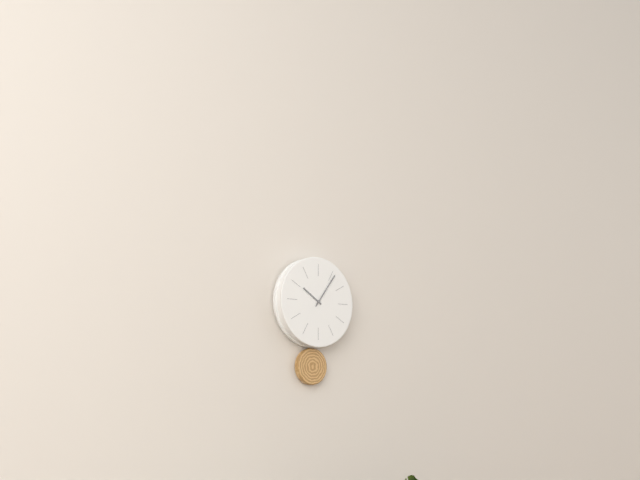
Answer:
h=10 m=6
